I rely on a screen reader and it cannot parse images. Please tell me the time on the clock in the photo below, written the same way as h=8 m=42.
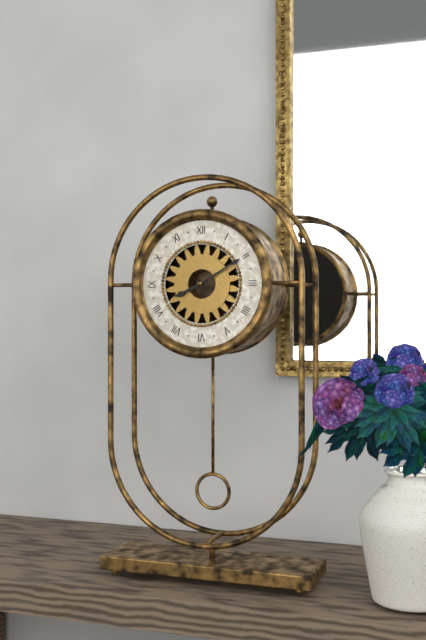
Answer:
h=8 m=10
